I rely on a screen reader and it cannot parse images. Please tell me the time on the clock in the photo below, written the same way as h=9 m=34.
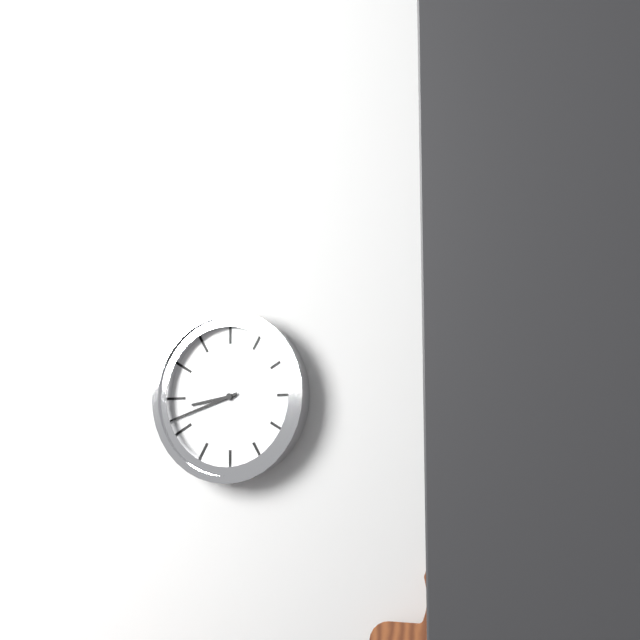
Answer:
h=8 m=42
